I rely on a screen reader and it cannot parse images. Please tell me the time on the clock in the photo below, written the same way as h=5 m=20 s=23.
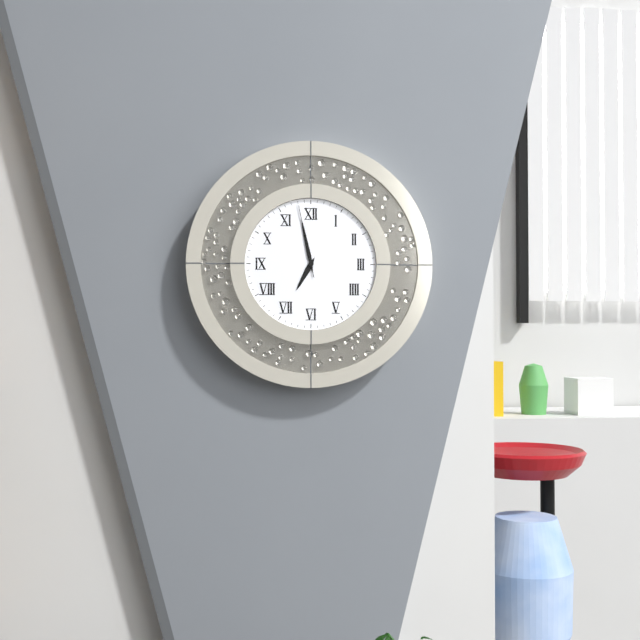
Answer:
h=6 m=58 s=58
